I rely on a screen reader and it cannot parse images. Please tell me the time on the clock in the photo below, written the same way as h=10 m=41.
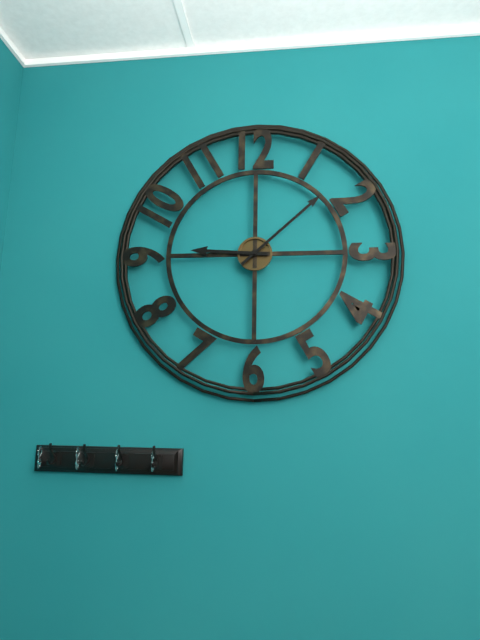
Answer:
h=9 m=8
